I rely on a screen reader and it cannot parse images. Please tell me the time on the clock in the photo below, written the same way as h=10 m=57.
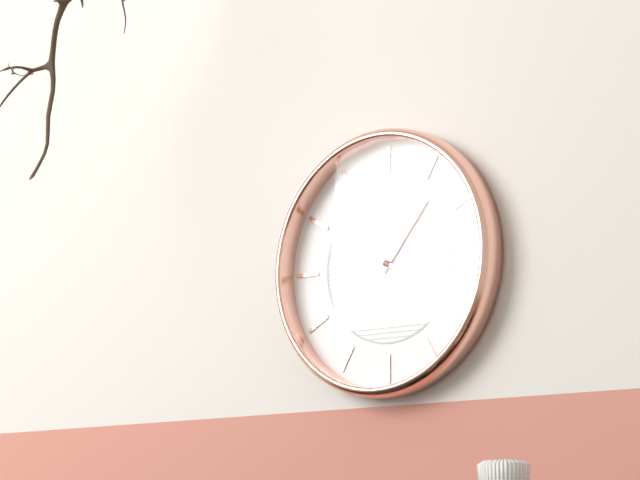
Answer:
h=1 m=19
